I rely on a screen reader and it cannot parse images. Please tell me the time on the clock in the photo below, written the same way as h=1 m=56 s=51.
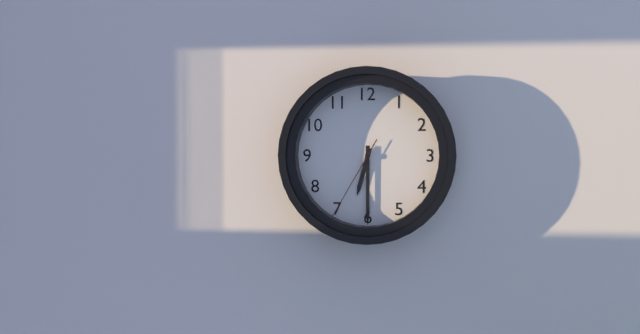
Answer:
h=6 m=30 s=35
